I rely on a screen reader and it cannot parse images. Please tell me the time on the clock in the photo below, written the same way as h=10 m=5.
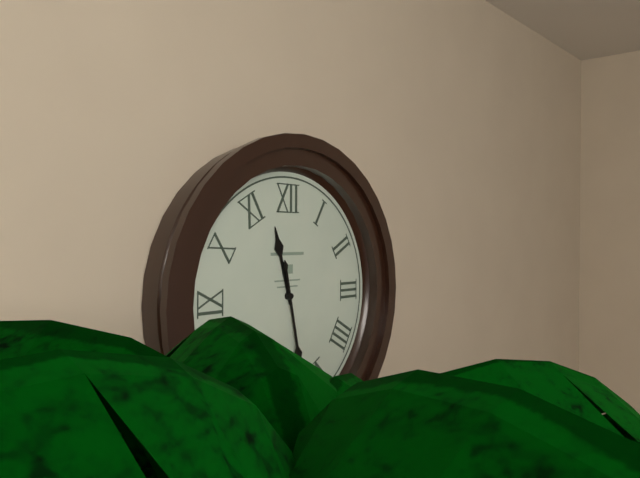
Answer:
h=11 m=28
